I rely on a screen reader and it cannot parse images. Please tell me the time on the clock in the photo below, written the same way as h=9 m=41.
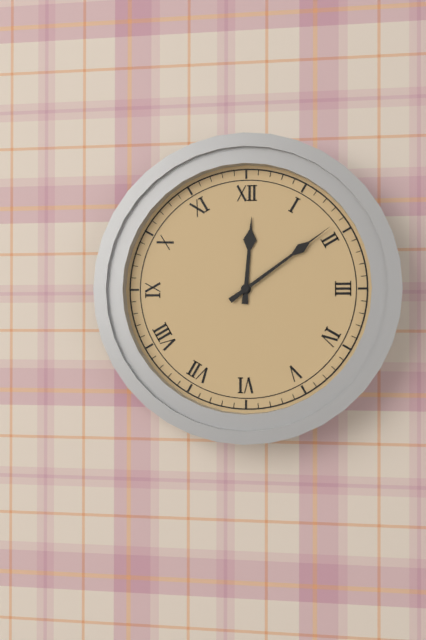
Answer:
h=12 m=9
